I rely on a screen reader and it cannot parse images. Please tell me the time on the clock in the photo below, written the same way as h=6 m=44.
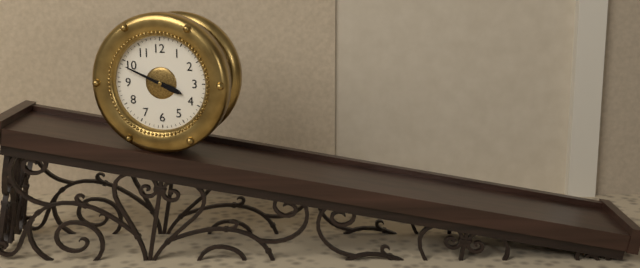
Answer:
h=3 m=49
